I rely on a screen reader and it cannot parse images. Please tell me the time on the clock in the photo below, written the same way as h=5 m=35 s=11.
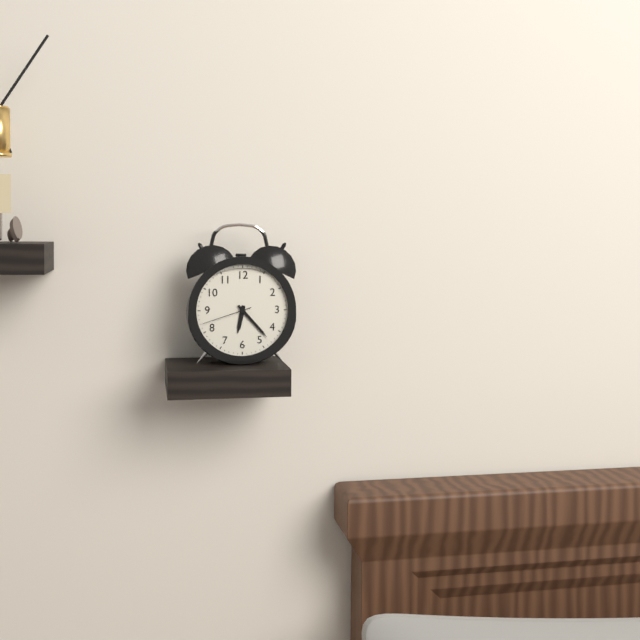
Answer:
h=6 m=23 s=42
